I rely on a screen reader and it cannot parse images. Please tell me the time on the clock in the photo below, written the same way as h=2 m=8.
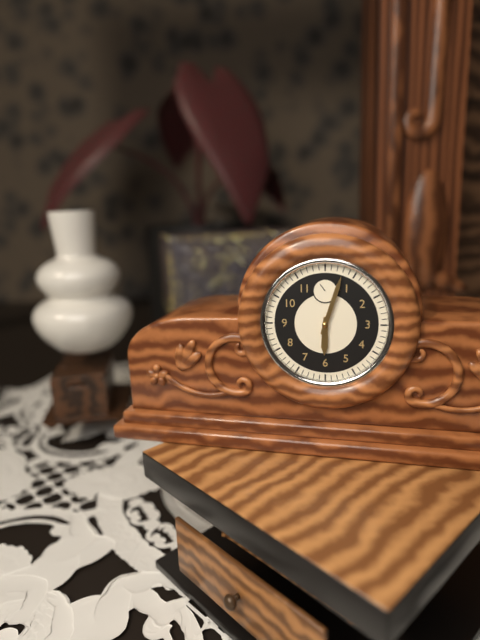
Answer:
h=6 m=3
